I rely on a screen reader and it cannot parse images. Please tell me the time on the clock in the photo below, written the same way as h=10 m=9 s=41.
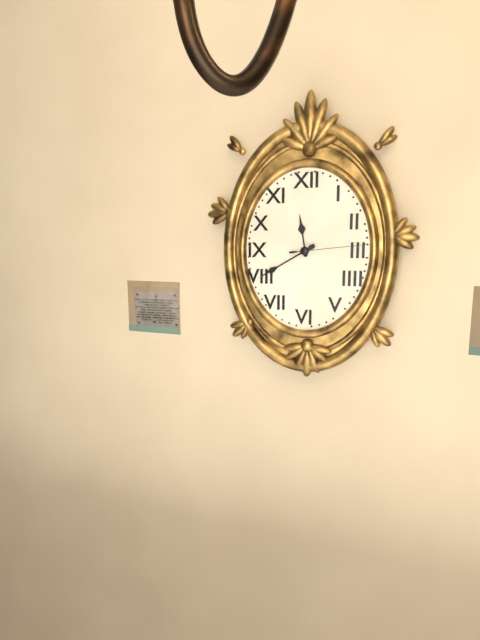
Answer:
h=11 m=40 s=14
